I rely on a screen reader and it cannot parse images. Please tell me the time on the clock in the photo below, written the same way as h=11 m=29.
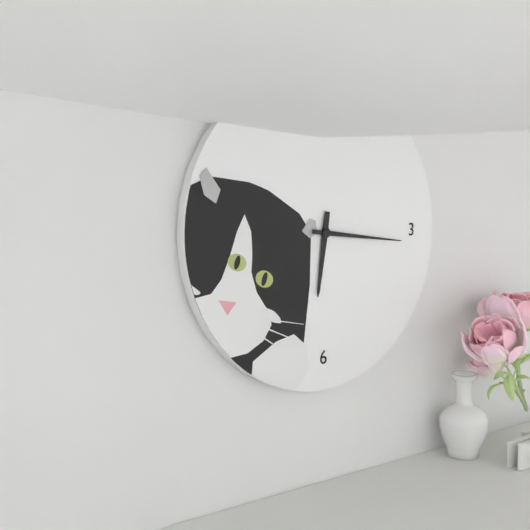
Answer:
h=6 m=16
